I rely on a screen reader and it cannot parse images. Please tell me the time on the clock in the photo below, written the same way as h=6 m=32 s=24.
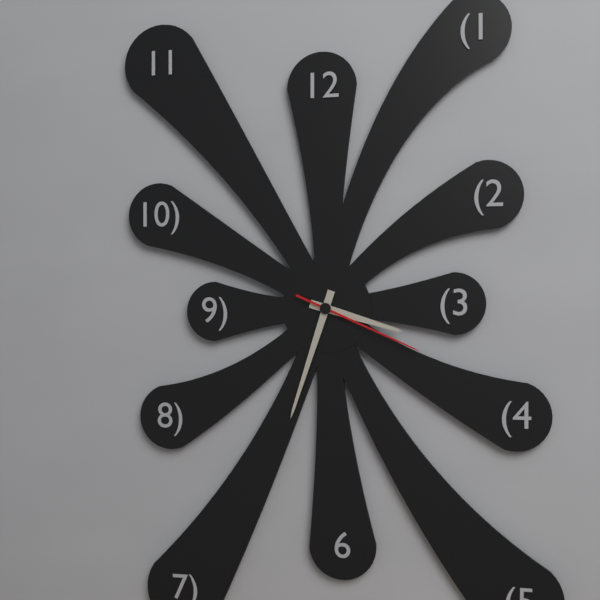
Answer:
h=3 m=33 s=19
